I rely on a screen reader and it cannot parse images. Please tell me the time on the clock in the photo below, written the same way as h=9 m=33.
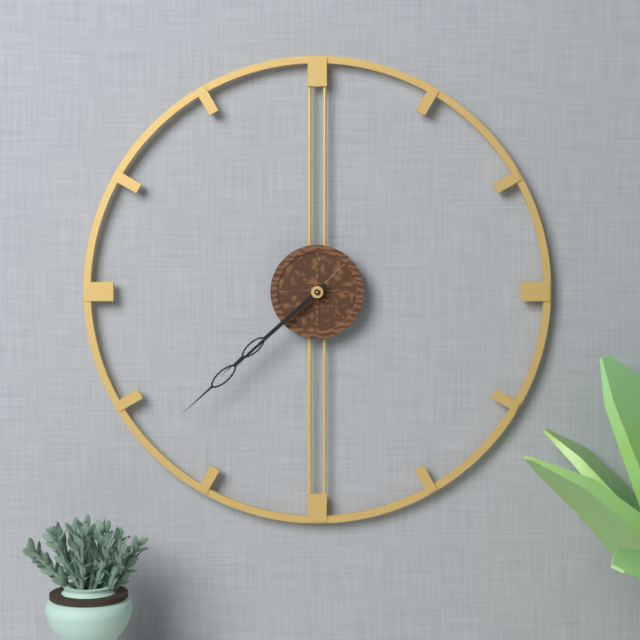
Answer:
h=7 m=38
